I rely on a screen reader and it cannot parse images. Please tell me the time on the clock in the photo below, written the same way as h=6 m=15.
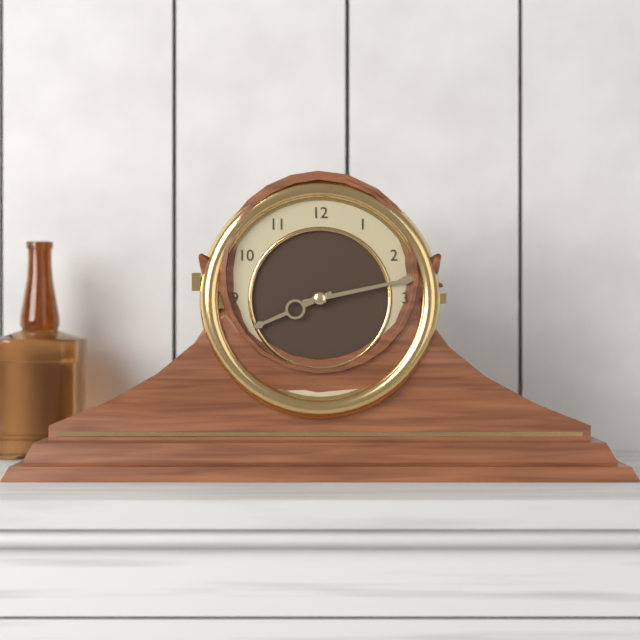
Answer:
h=8 m=13
